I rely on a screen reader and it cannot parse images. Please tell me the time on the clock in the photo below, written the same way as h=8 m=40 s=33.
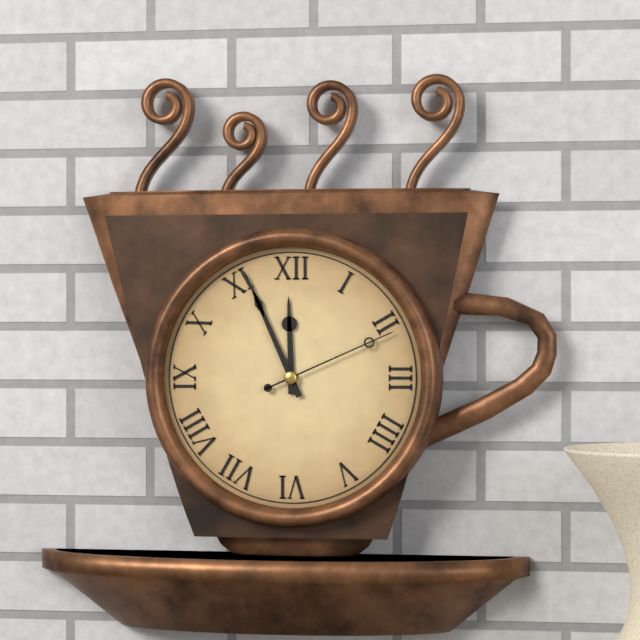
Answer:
h=11 m=56 s=11
